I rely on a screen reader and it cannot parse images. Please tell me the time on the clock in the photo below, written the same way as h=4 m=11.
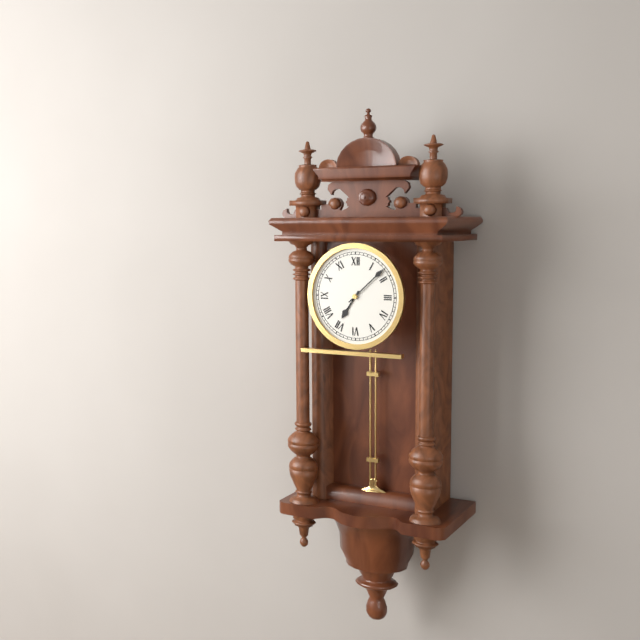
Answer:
h=7 m=8
